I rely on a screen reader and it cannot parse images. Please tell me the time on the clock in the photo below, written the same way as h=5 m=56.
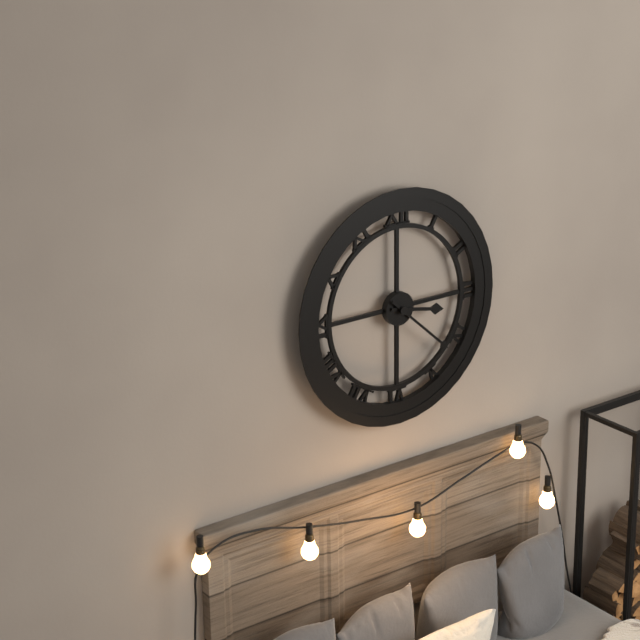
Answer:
h=3 m=22
